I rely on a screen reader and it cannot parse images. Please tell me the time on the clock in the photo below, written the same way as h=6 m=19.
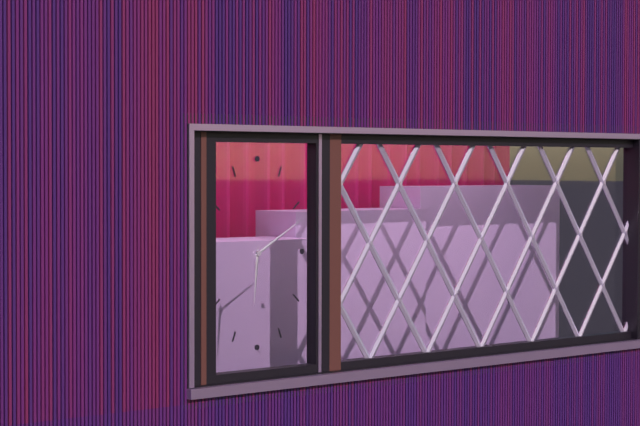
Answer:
h=6 m=10
